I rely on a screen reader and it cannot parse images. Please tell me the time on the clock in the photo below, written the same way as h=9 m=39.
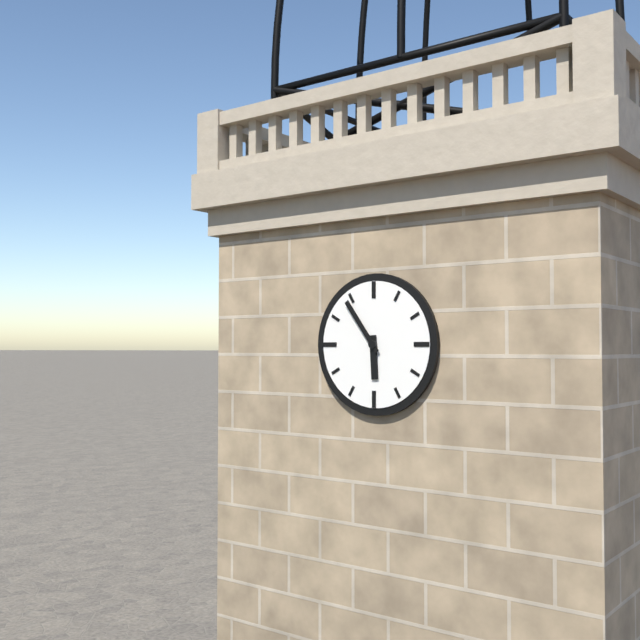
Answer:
h=5 m=54
